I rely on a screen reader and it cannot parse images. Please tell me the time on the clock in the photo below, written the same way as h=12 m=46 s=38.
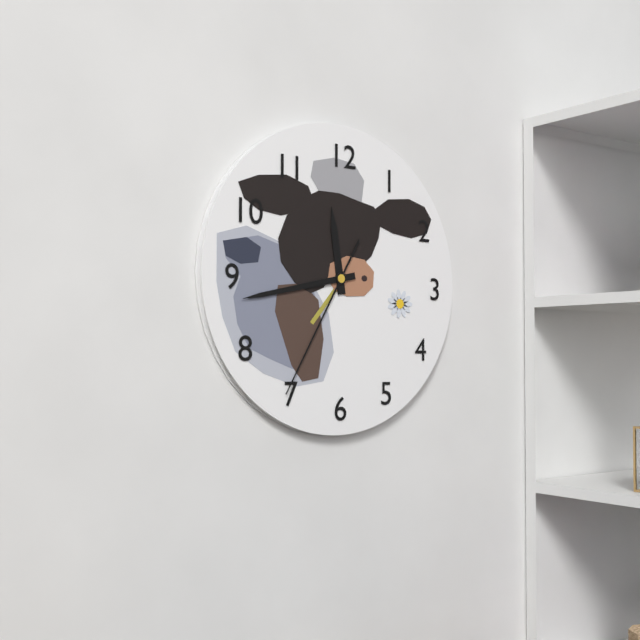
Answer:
h=11 m=43 s=35
